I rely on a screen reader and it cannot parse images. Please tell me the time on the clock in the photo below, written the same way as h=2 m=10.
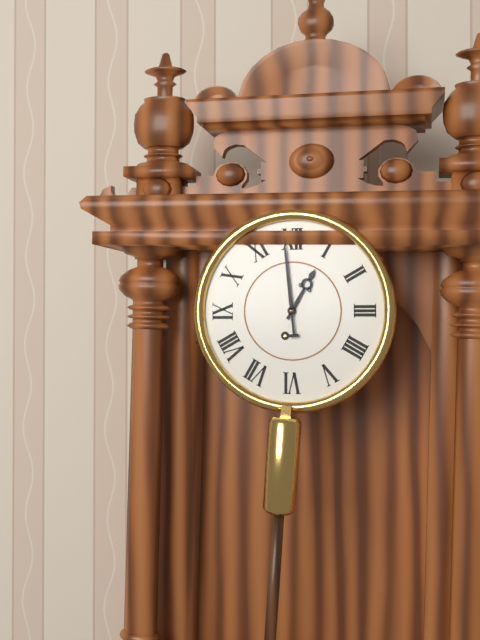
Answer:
h=12 m=59
